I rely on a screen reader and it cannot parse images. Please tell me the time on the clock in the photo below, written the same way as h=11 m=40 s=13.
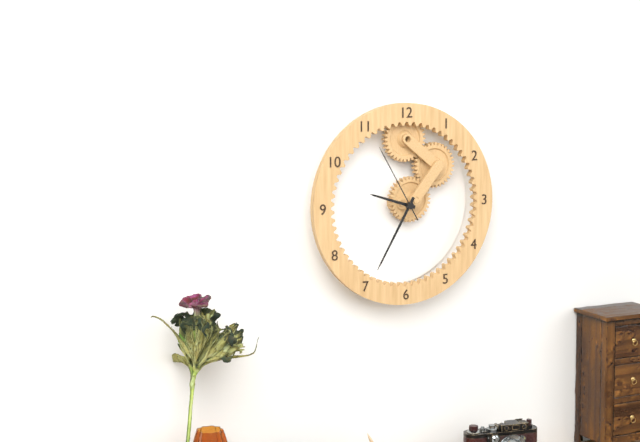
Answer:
h=9 m=35 s=55
